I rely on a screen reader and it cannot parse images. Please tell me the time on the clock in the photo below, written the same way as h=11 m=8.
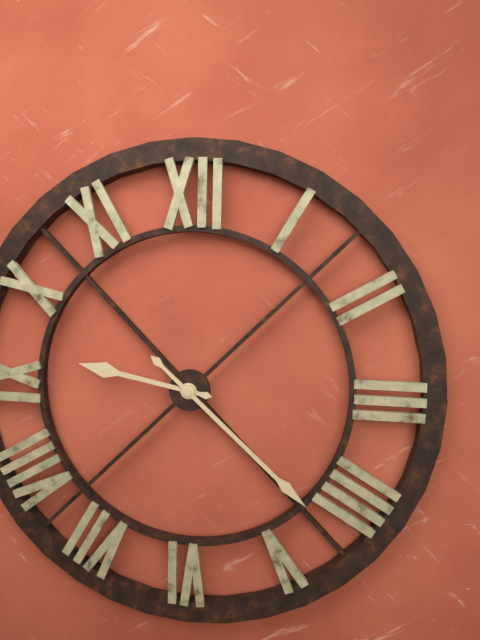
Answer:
h=9 m=22
